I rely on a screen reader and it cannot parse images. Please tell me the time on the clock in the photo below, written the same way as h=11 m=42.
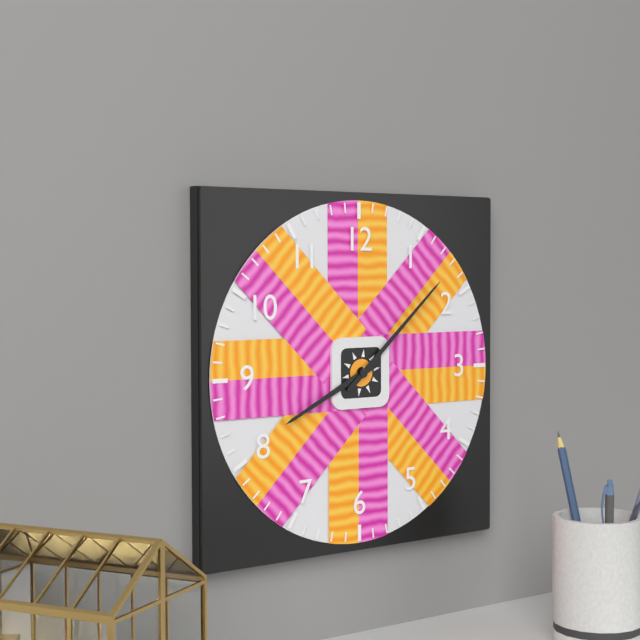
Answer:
h=8 m=8
